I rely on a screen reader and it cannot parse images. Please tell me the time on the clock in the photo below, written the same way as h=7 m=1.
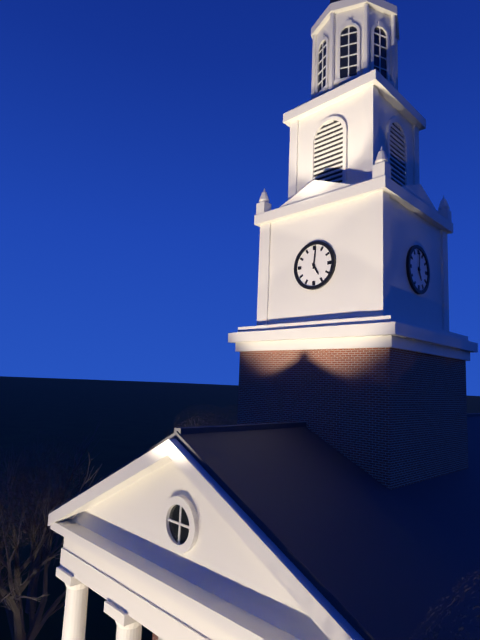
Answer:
h=5 m=1
